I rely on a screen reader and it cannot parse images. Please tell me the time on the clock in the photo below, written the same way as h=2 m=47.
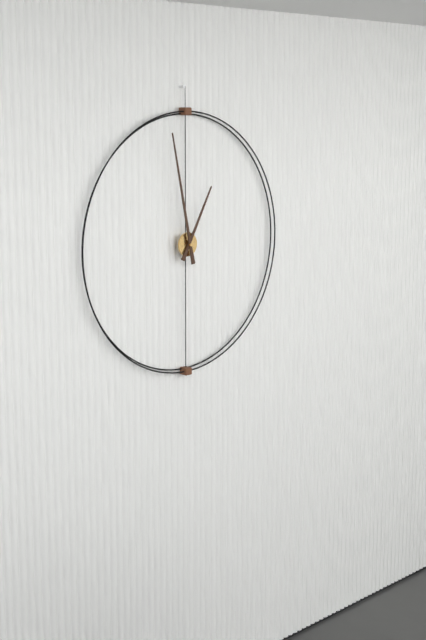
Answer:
h=12 m=58
